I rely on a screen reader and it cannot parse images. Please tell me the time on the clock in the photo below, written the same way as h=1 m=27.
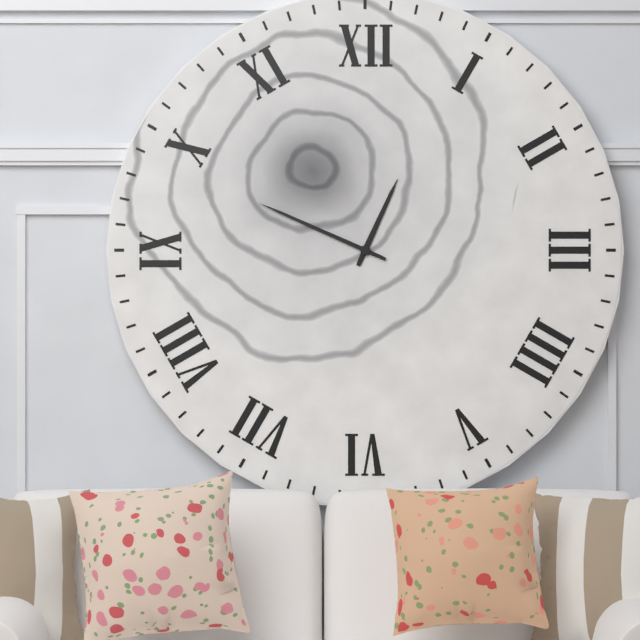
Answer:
h=12 m=49
